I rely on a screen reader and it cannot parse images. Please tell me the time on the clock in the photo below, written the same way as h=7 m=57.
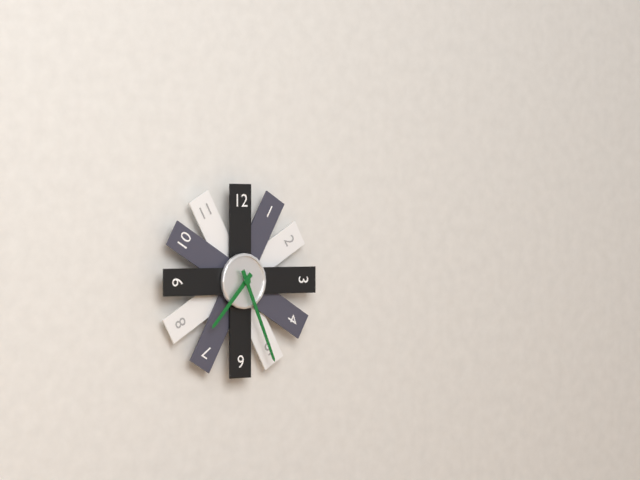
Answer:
h=7 m=26
